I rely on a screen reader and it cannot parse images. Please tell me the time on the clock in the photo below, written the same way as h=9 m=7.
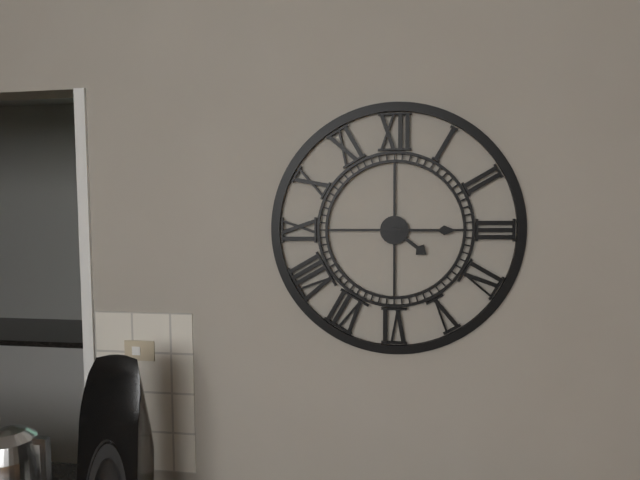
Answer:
h=4 m=15
